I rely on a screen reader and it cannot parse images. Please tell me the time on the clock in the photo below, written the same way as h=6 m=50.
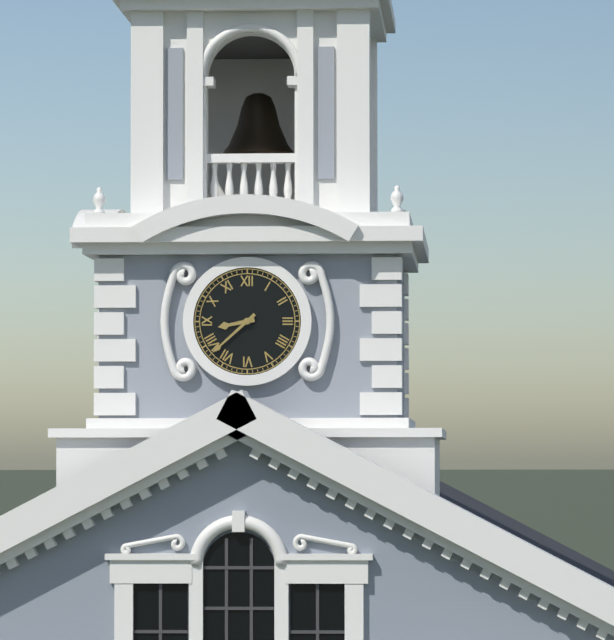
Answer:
h=8 m=38
